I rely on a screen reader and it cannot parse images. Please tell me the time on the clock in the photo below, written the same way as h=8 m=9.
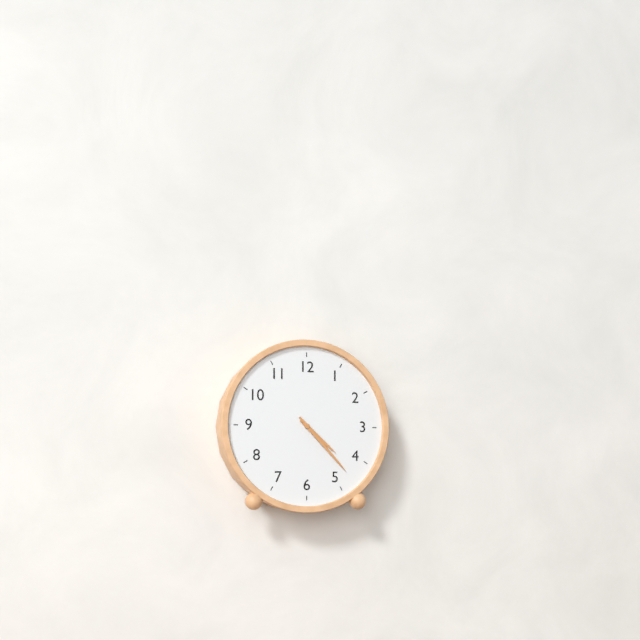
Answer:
h=4 m=23
